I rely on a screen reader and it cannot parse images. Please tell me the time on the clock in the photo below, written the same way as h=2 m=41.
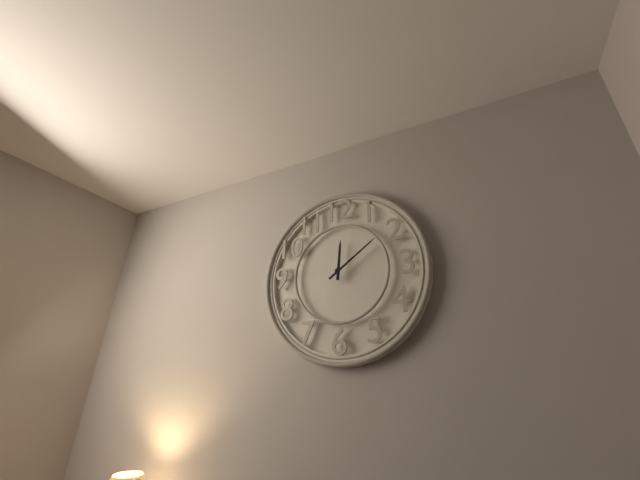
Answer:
h=12 m=9
